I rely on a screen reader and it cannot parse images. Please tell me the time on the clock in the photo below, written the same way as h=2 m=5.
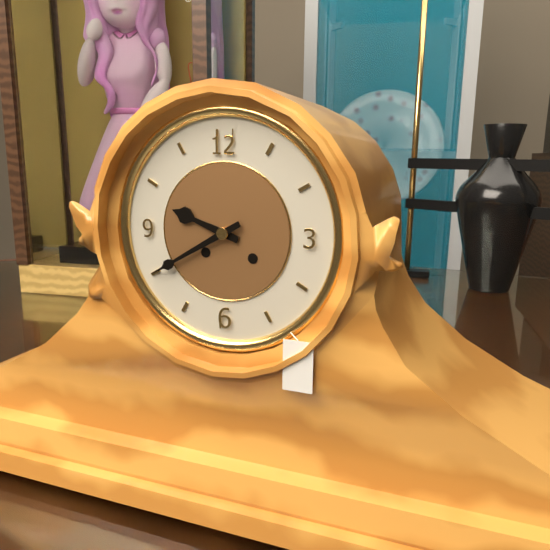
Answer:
h=9 m=40
